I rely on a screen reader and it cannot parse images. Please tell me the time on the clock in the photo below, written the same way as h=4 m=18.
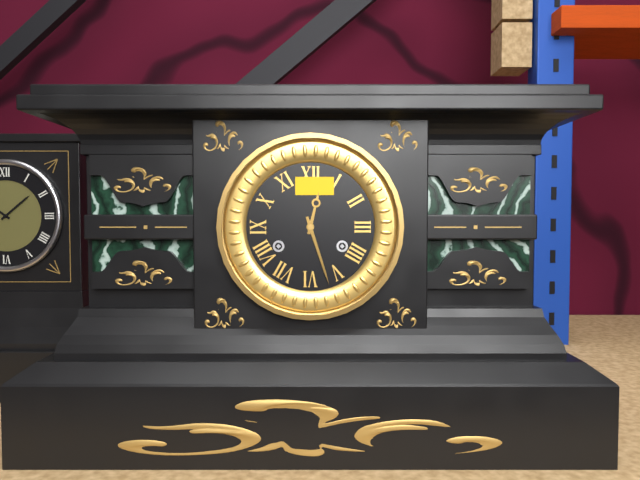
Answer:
h=12 m=27
